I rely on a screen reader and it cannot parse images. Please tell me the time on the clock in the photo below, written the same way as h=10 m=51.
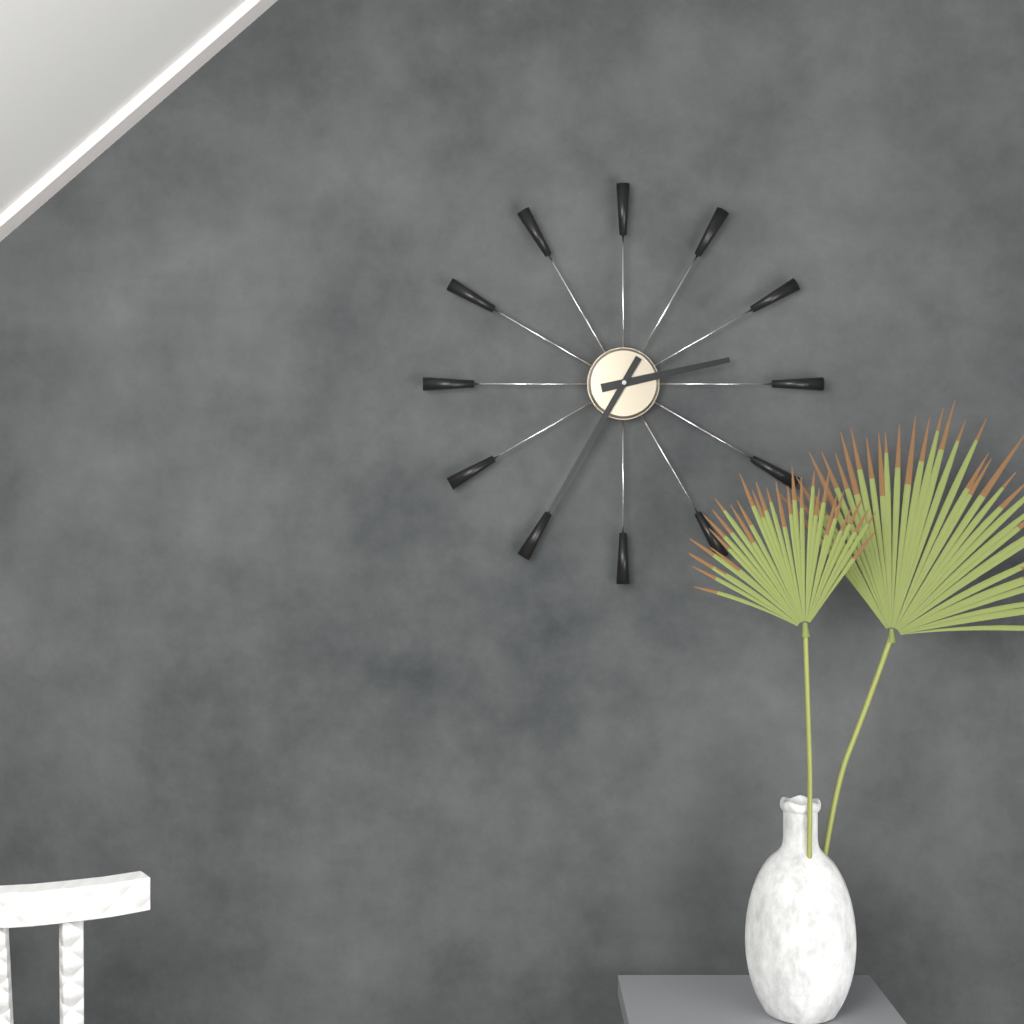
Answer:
h=2 m=35
